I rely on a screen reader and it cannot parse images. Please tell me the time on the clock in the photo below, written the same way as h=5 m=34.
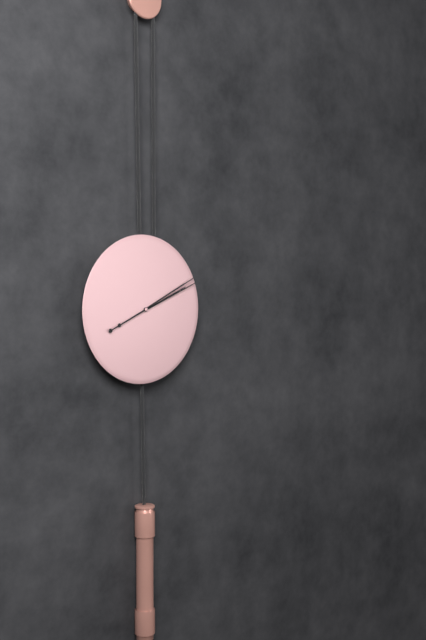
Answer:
h=2 m=11
